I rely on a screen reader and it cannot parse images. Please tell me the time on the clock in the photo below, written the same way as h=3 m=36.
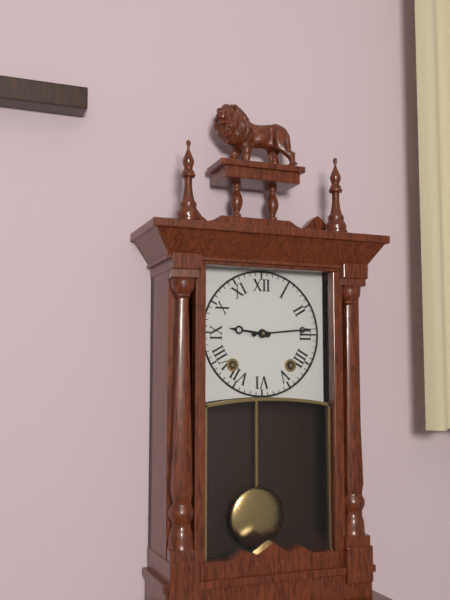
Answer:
h=9 m=14
